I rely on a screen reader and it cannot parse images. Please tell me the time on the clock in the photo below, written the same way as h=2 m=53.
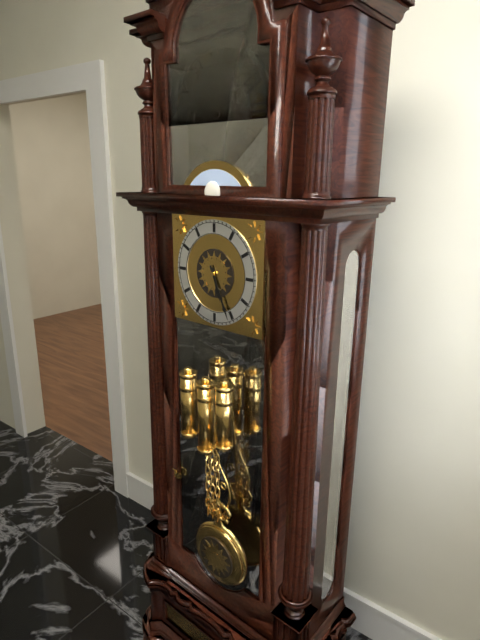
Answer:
h=5 m=26
